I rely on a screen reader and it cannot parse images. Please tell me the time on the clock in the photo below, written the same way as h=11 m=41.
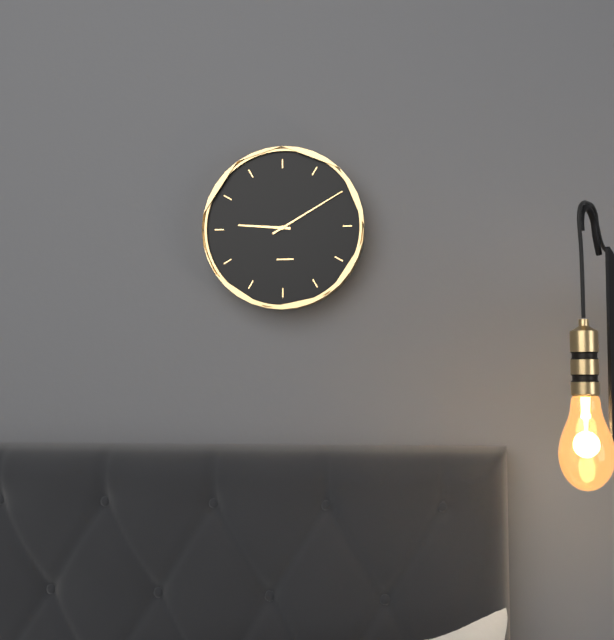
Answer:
h=9 m=10
